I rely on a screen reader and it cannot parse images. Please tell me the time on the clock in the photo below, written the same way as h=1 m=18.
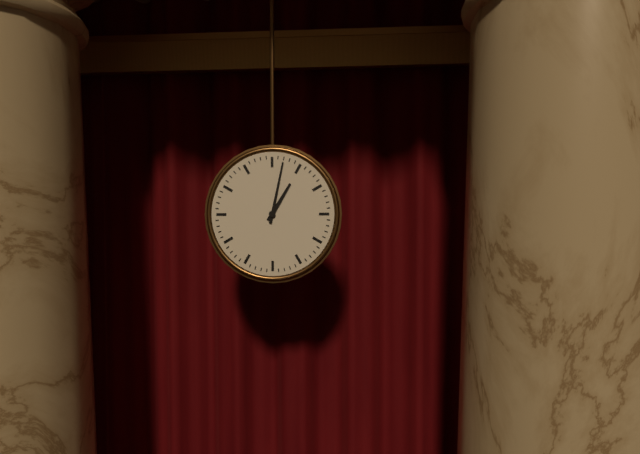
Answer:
h=1 m=2
